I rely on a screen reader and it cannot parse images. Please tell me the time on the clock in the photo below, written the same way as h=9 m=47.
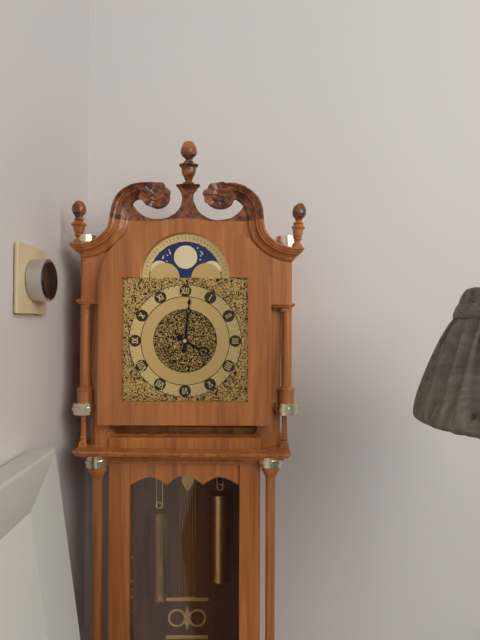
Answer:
h=4 m=1
